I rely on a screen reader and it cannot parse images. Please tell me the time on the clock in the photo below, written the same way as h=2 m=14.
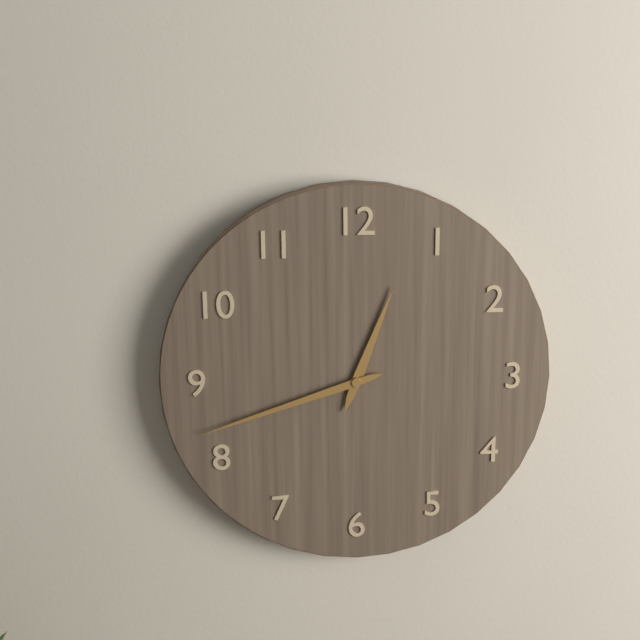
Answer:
h=12 m=42
